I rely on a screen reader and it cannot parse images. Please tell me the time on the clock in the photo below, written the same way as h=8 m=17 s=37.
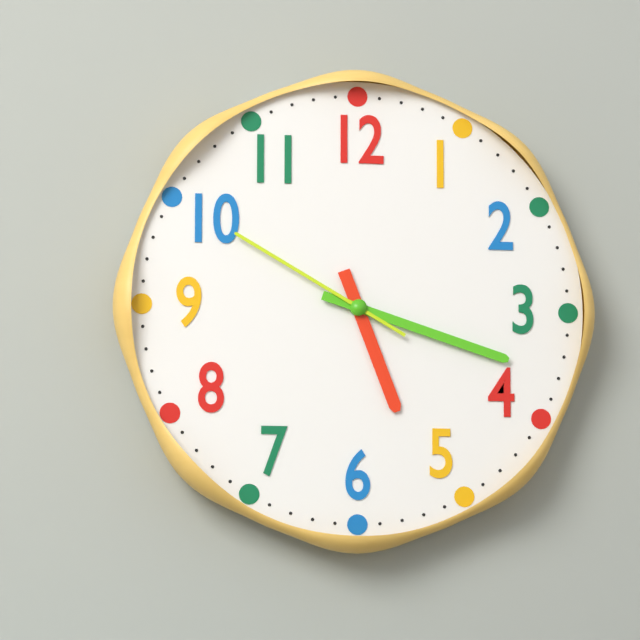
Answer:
h=5 m=18 s=50
